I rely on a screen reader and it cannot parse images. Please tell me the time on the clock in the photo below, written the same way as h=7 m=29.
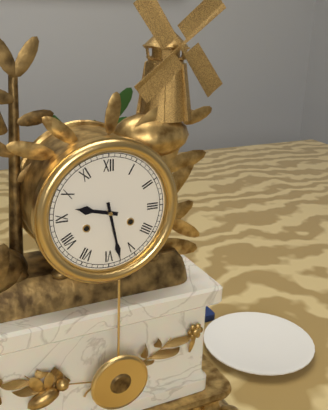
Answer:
h=9 m=28
